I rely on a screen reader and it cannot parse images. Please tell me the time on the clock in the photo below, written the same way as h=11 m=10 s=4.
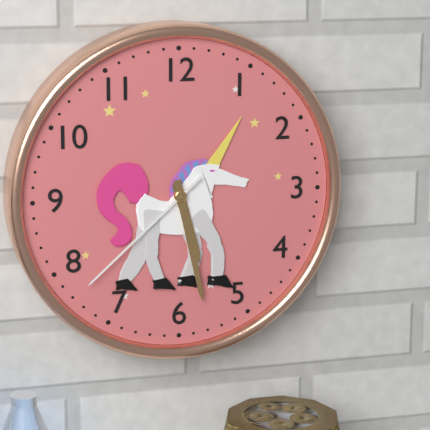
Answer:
h=5 m=28 s=38
